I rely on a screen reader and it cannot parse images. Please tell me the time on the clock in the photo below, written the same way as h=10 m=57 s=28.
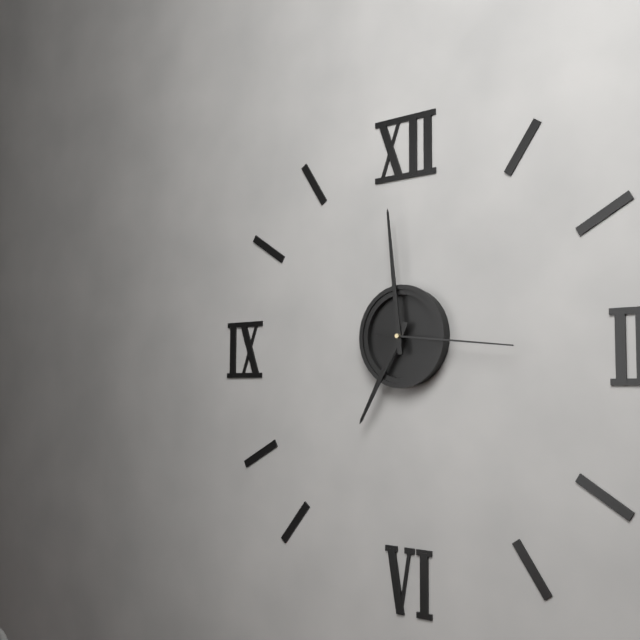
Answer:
h=6 m=59 s=16
